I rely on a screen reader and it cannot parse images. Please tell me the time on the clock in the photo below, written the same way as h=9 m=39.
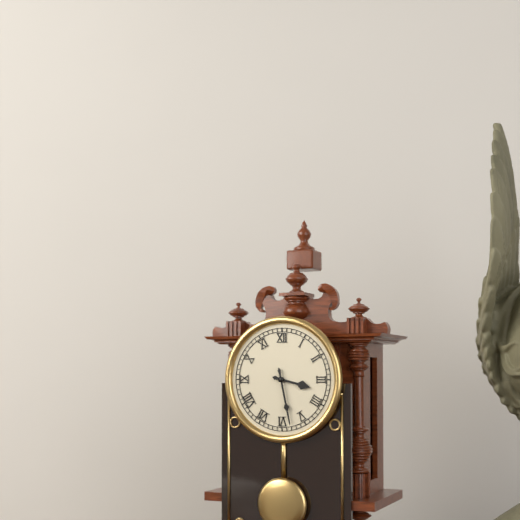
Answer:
h=3 m=28
